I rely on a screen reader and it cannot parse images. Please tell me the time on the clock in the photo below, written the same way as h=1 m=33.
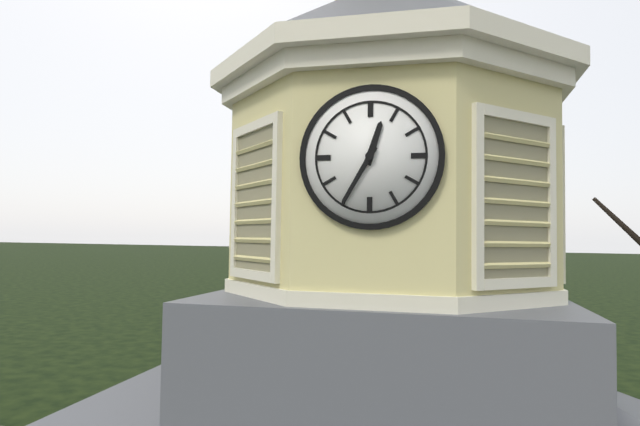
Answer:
h=12 m=35
